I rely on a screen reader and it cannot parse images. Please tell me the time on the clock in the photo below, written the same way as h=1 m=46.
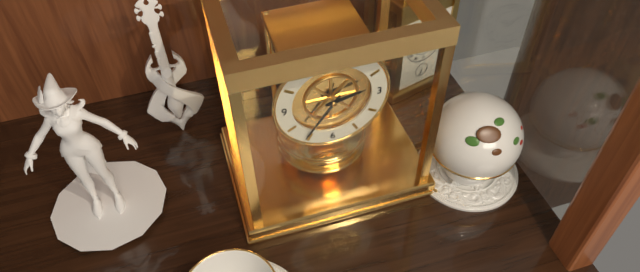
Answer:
h=2 m=36
